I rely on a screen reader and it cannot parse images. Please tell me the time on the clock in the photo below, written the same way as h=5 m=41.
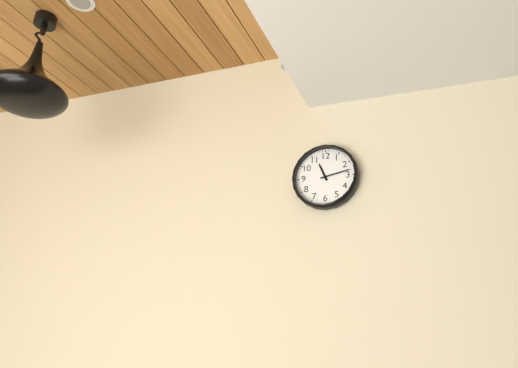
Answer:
h=11 m=13
